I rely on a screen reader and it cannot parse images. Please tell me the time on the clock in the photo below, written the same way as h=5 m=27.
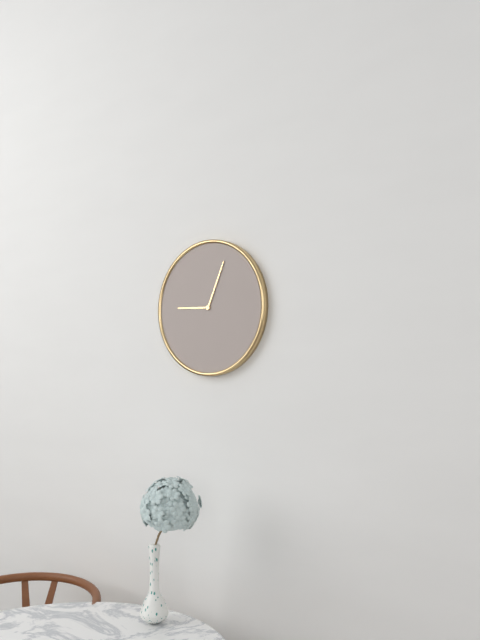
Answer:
h=9 m=4
